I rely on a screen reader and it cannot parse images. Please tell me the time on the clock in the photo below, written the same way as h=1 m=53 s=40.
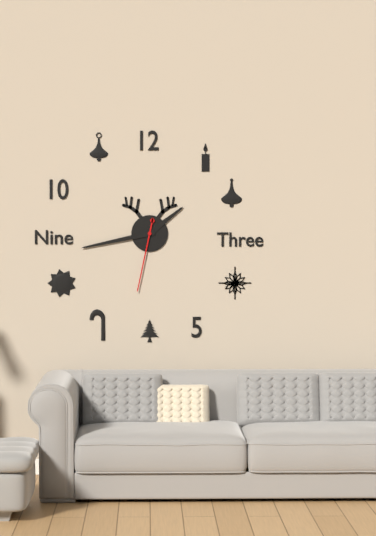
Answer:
h=1 m=43 s=32
